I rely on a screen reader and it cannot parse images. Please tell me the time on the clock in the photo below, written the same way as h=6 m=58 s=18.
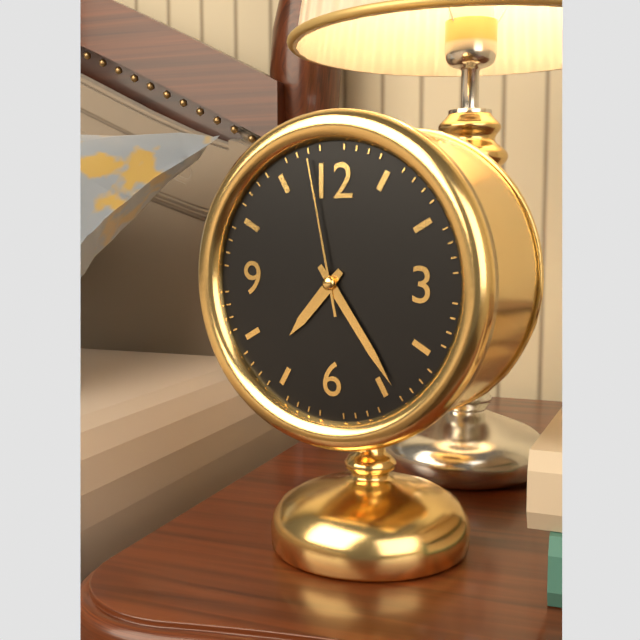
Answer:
h=7 m=24 s=58
